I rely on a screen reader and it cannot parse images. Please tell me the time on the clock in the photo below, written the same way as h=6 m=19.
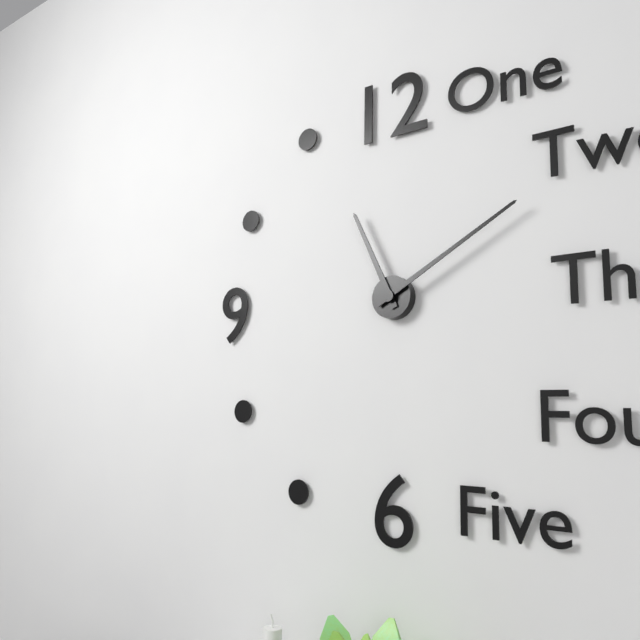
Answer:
h=11 m=10
